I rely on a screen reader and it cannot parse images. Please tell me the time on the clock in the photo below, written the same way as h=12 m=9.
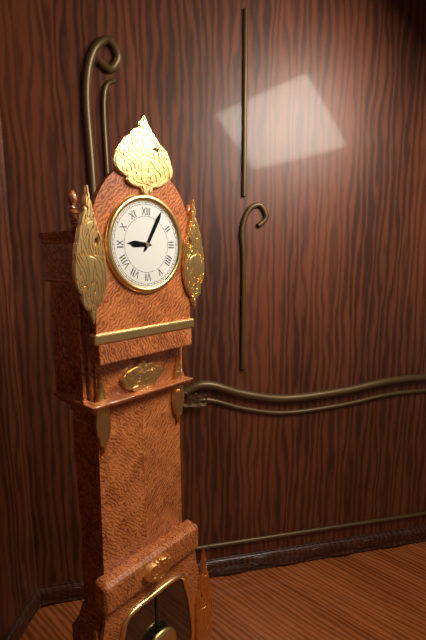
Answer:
h=9 m=5
